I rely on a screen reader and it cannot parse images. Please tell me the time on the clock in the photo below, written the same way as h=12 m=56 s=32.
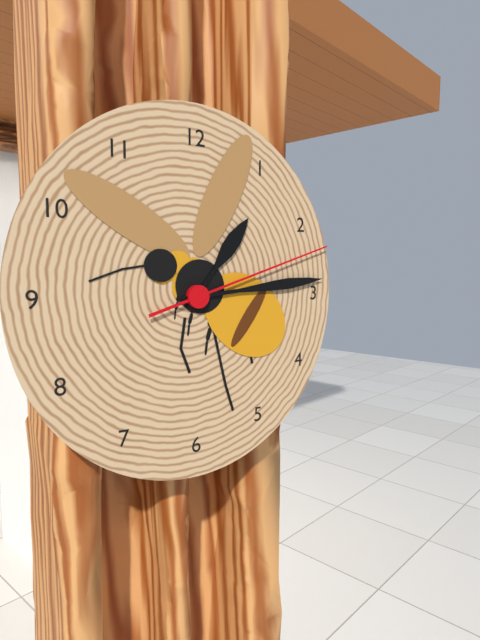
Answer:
h=1 m=14 s=12
